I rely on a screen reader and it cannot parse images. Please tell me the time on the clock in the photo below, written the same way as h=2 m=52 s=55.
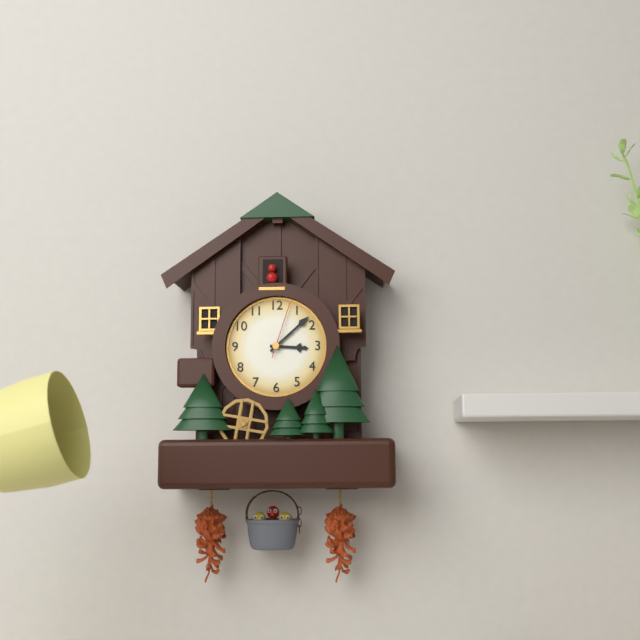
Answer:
h=3 m=8 s=3
